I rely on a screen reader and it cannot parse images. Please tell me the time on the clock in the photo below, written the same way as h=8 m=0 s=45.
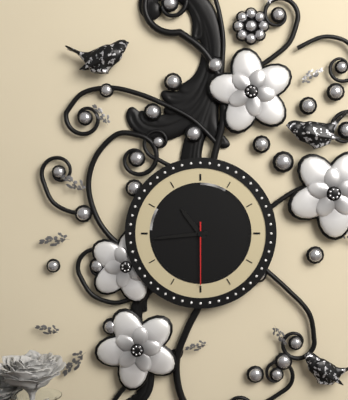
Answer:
h=10 m=44 s=30
